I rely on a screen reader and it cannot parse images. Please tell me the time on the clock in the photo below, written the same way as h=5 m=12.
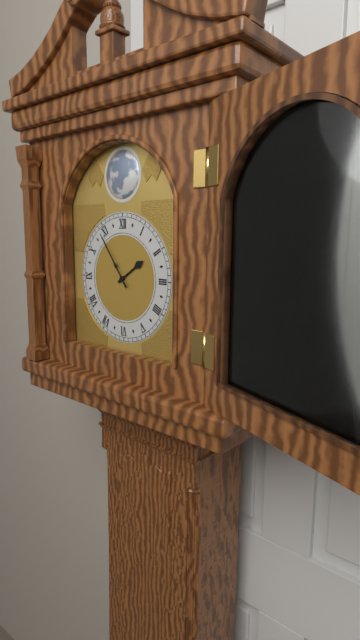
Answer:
h=1 m=54
